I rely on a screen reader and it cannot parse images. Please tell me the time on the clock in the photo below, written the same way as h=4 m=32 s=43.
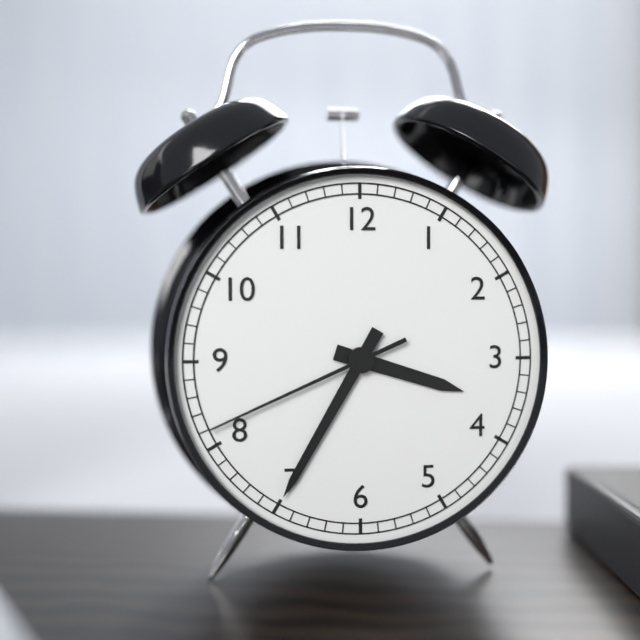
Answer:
h=3 m=35 s=41
